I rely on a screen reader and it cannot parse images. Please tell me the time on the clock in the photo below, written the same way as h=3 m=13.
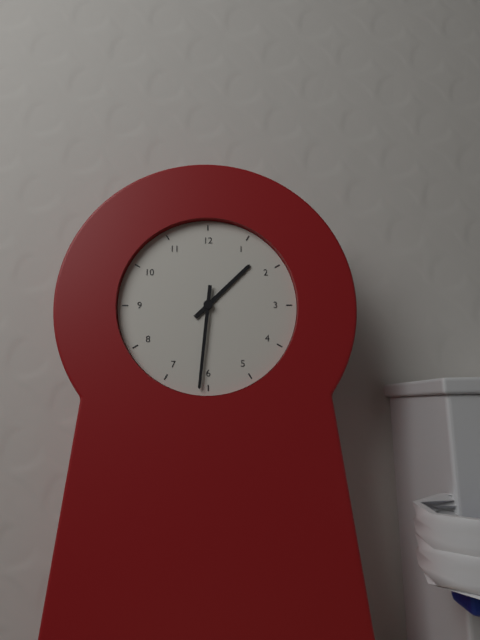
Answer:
h=1 m=31
